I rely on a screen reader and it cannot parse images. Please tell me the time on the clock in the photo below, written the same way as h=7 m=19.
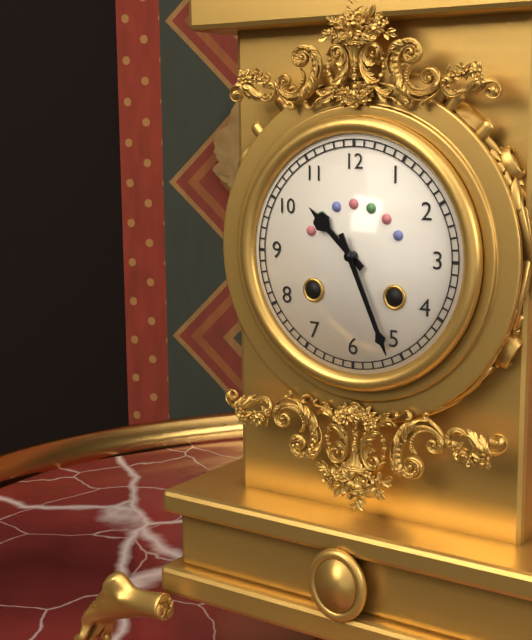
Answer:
h=10 m=26
